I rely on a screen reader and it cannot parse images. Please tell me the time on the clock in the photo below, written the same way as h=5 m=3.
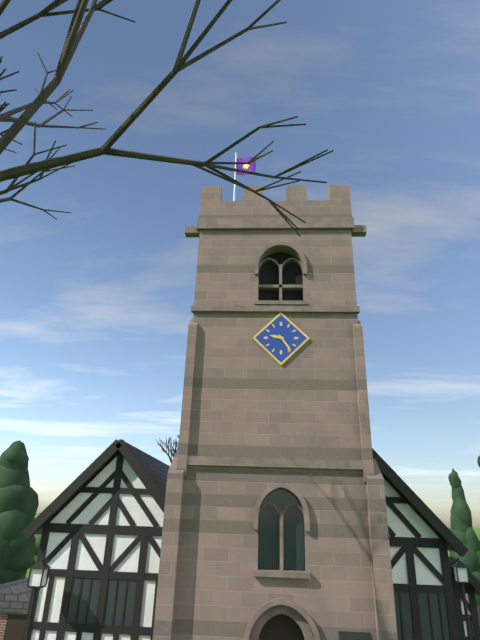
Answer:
h=9 m=24
